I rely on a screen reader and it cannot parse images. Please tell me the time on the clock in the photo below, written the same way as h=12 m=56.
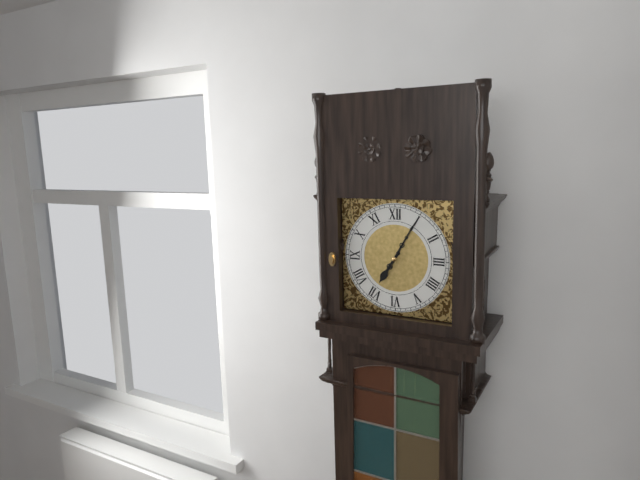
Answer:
h=7 m=5
